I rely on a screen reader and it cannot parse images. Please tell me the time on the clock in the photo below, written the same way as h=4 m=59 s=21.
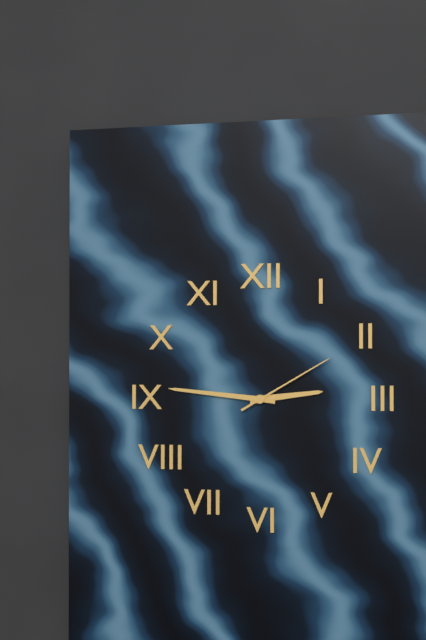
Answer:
h=2 m=46 s=10
